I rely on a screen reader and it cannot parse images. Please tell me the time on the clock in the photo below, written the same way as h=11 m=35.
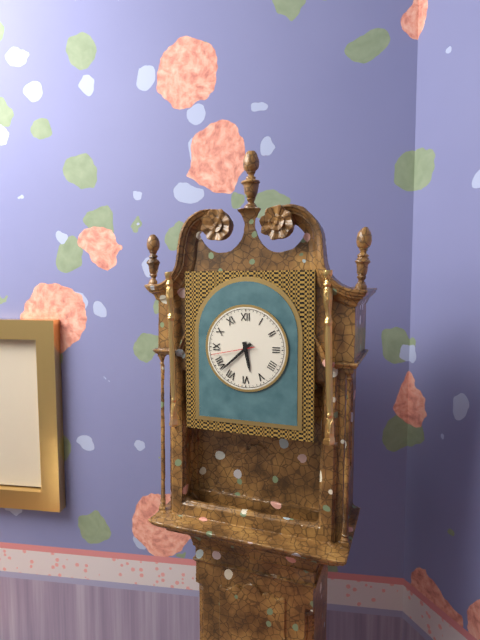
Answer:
h=5 m=38
